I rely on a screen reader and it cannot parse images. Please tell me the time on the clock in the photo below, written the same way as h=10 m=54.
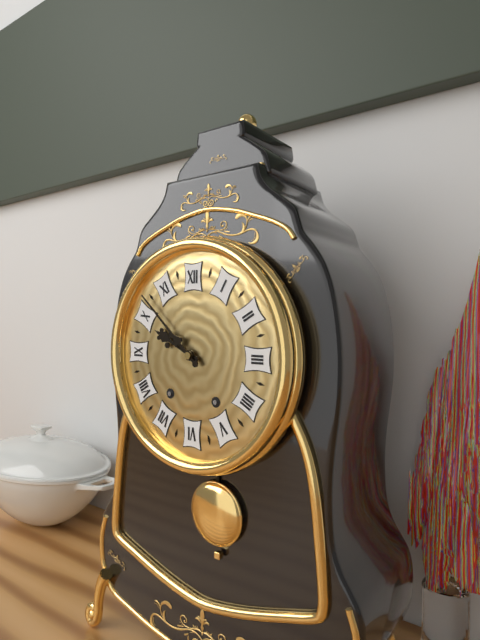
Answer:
h=9 m=52
